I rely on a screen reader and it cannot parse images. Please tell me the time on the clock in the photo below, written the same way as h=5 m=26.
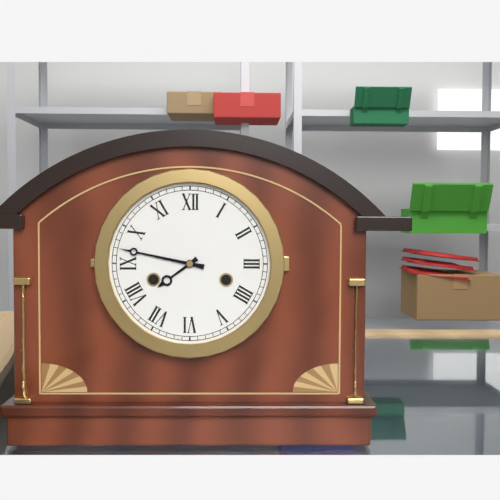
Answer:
h=7 m=47
